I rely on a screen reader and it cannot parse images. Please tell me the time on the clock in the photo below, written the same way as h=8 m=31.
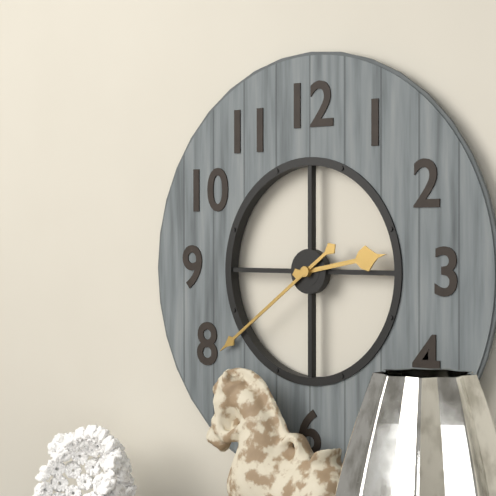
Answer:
h=2 m=39
